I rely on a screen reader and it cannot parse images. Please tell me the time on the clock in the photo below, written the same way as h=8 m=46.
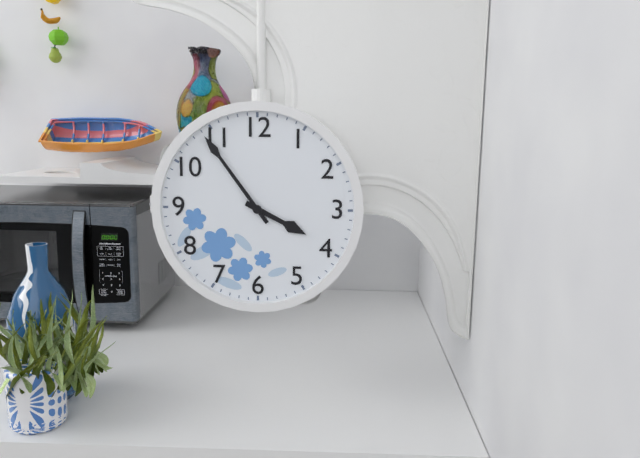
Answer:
h=3 m=54
